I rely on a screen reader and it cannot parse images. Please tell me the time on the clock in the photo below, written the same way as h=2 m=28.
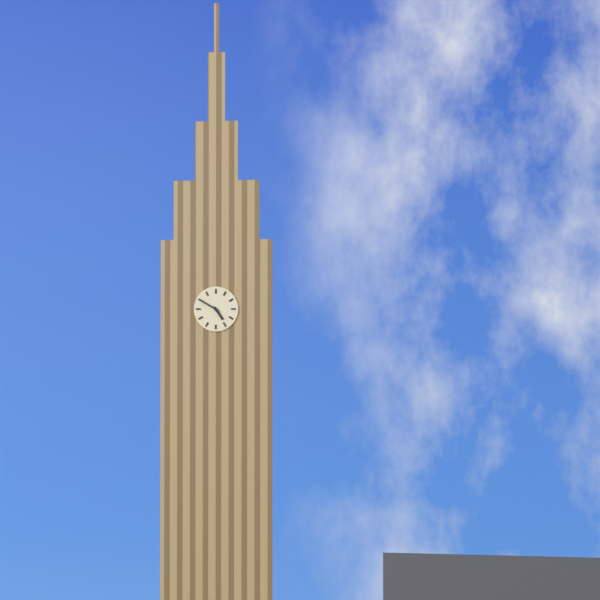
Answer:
h=4 m=50
